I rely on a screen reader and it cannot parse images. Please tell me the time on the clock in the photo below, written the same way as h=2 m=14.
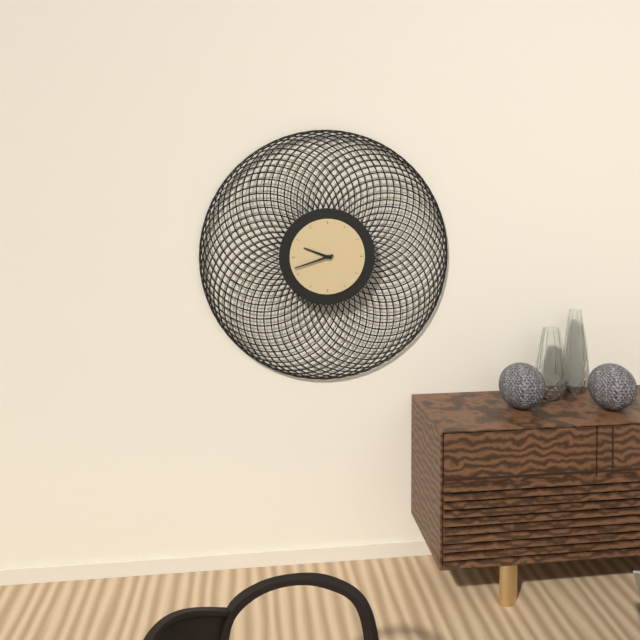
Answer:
h=9 m=42
